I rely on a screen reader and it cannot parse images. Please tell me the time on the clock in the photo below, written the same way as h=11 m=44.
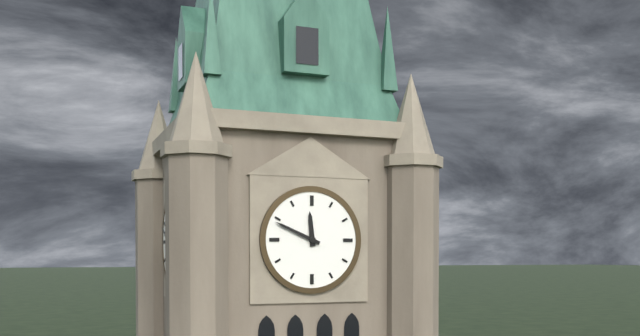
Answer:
h=11 m=49
